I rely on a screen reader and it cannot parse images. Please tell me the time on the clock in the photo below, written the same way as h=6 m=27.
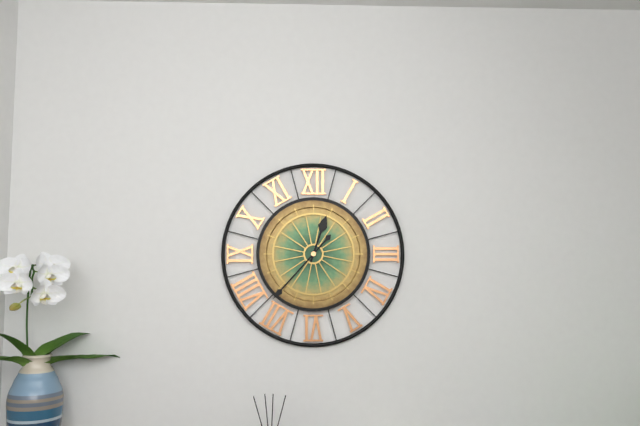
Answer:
h=12 m=37
